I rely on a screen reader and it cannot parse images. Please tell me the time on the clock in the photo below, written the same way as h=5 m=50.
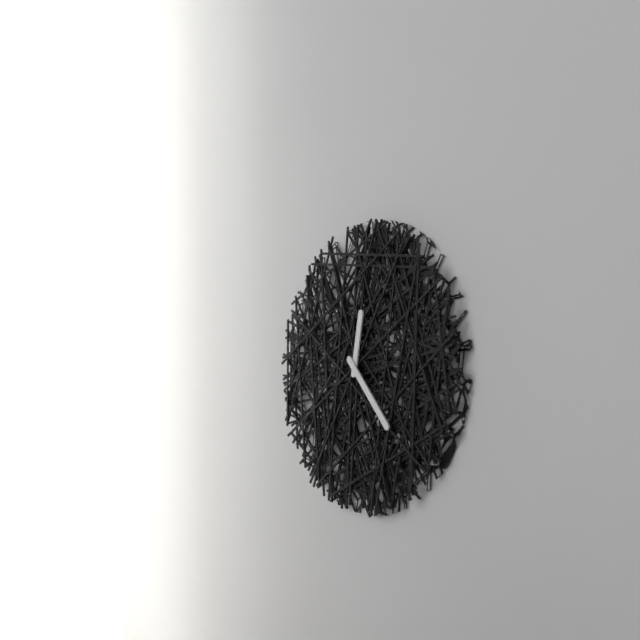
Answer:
h=12 m=23
